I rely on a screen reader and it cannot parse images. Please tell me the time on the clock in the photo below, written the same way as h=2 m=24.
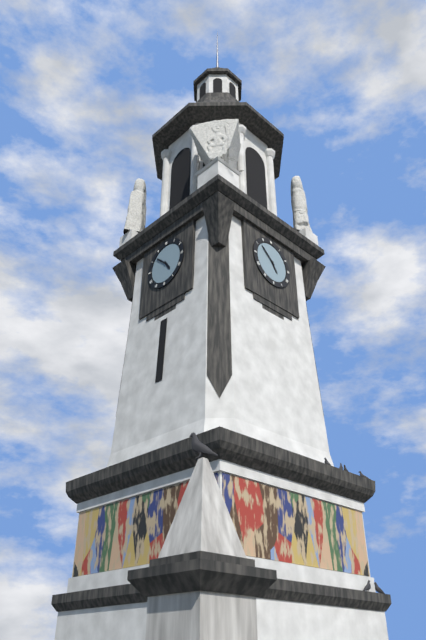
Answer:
h=4 m=52
